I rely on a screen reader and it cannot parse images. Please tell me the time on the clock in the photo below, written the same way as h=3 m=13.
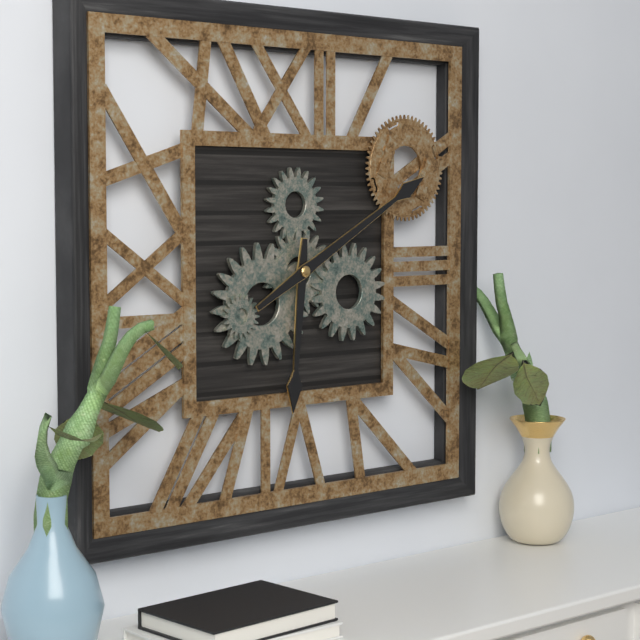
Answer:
h=6 m=10
